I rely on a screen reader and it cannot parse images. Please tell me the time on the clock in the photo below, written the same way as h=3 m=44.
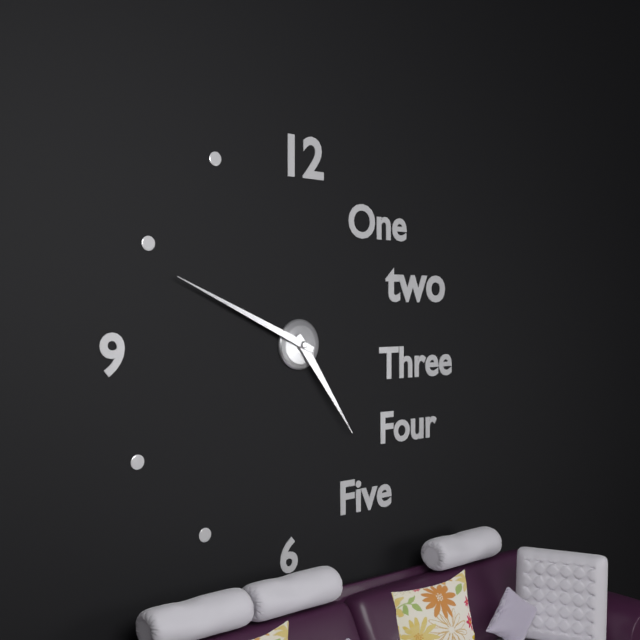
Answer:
h=4 m=49
